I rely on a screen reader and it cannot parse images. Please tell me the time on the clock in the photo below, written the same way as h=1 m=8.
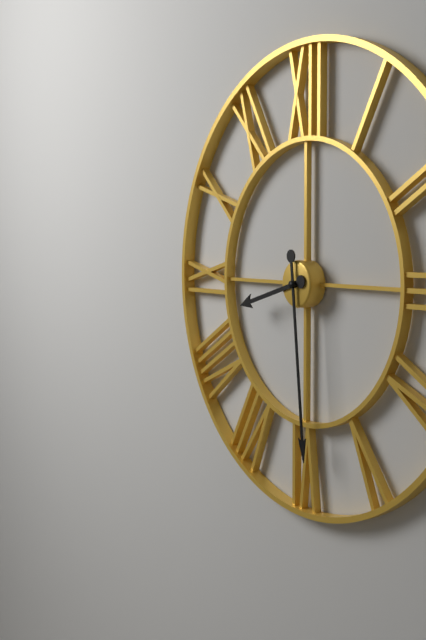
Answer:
h=8 m=29
